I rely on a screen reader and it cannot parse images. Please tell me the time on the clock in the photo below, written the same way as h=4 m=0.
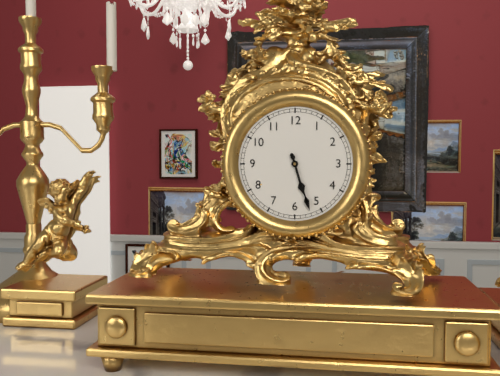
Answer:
h=5 m=27
